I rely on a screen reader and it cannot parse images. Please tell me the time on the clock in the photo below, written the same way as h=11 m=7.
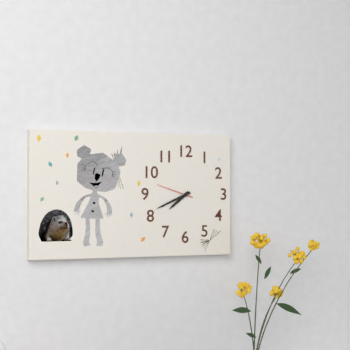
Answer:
h=7 m=41
